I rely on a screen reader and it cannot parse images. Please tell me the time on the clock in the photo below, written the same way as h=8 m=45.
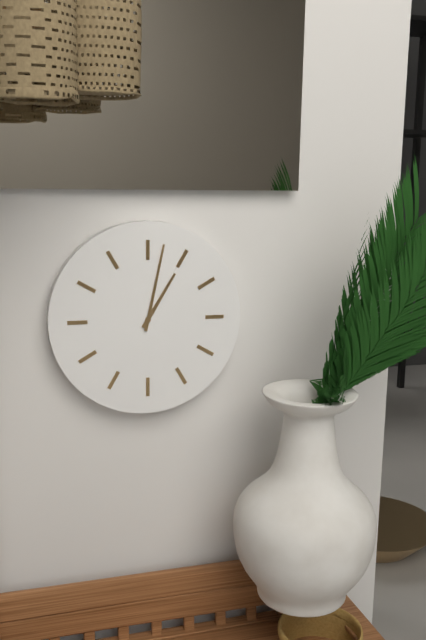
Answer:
h=1 m=2
